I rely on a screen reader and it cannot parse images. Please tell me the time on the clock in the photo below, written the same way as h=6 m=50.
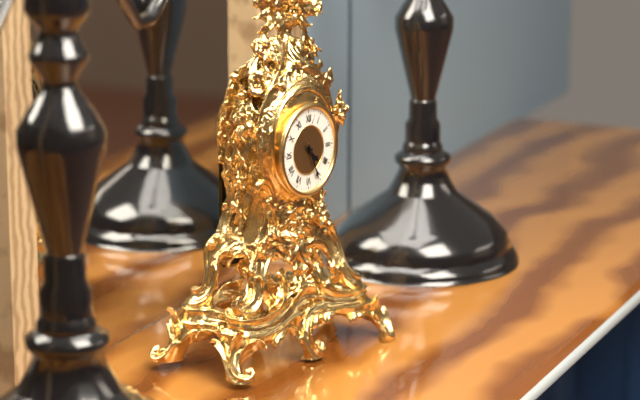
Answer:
h=4 m=26
